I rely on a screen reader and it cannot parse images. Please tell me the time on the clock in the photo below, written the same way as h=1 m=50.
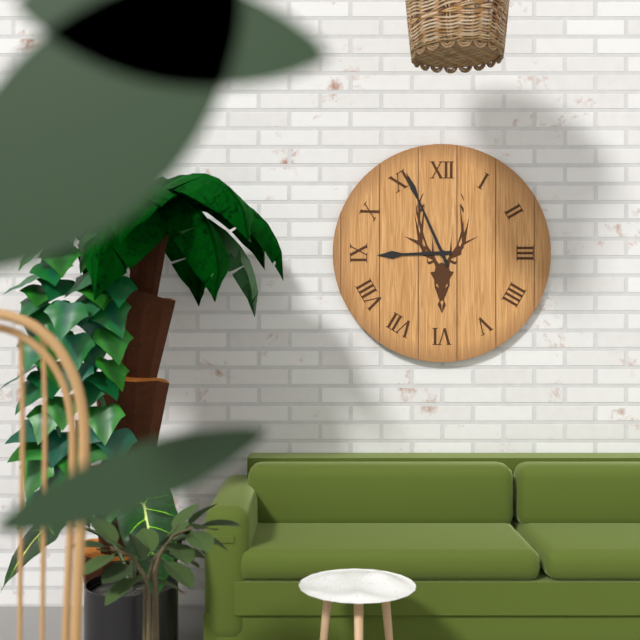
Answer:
h=8 m=56
